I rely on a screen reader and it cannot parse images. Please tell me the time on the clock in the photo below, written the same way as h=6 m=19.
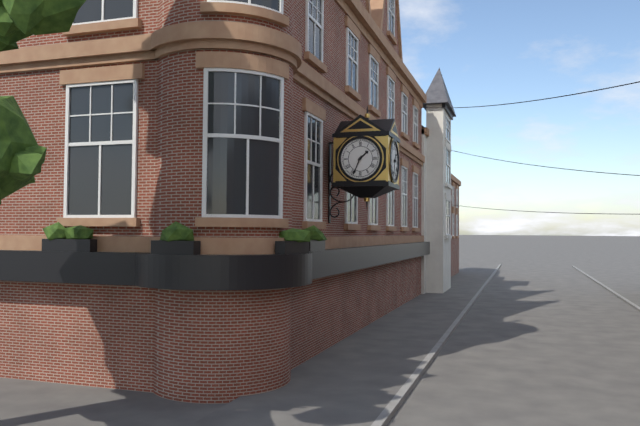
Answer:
h=1 m=34
